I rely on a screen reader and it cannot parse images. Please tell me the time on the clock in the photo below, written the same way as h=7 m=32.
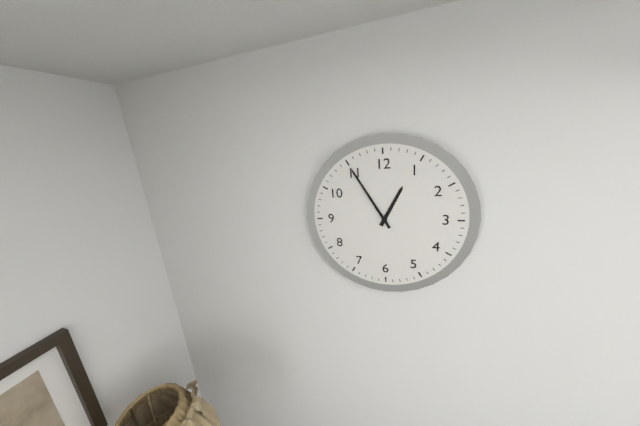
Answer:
h=12 m=55
